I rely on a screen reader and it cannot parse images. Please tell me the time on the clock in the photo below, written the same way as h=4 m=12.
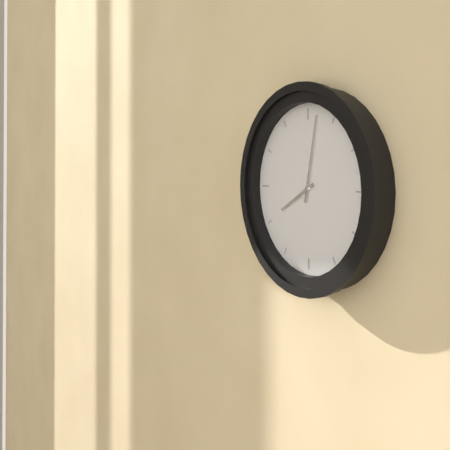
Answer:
h=8 m=2
